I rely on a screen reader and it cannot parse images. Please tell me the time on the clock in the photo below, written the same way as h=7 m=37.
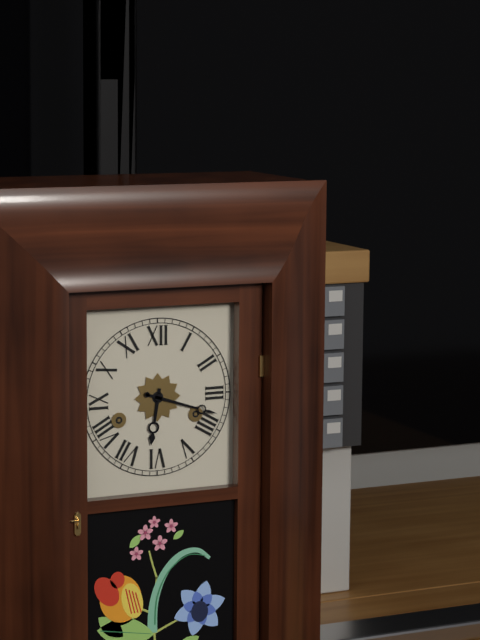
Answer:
h=6 m=18
